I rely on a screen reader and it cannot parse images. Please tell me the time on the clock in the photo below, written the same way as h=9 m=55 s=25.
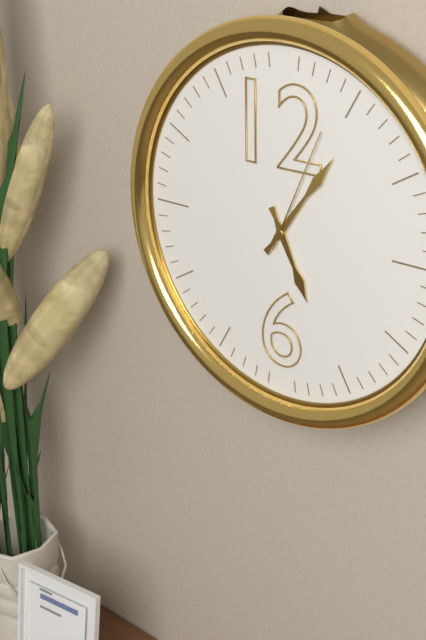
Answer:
h=5 m=6 s=4
